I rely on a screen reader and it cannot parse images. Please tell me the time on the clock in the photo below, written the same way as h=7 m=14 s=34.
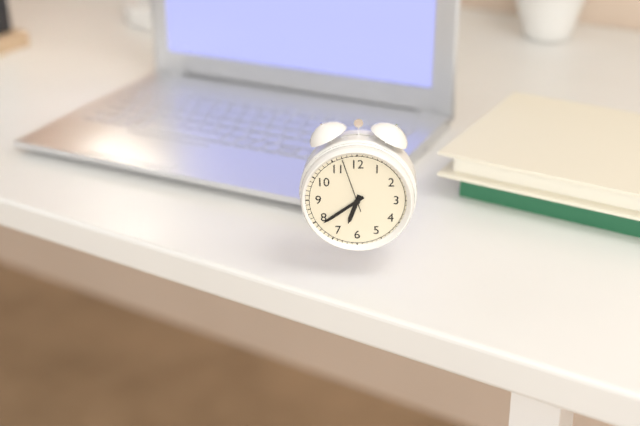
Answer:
h=6 m=39 s=57
